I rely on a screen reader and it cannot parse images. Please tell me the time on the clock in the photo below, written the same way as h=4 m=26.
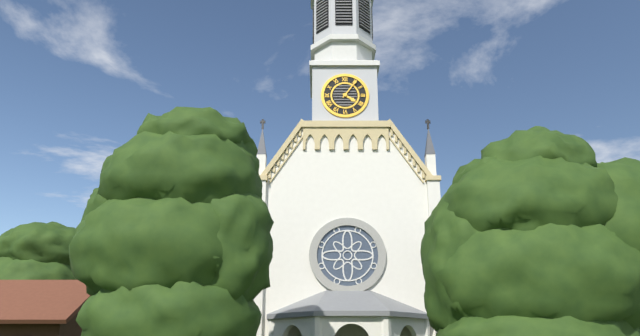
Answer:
h=4 m=6
